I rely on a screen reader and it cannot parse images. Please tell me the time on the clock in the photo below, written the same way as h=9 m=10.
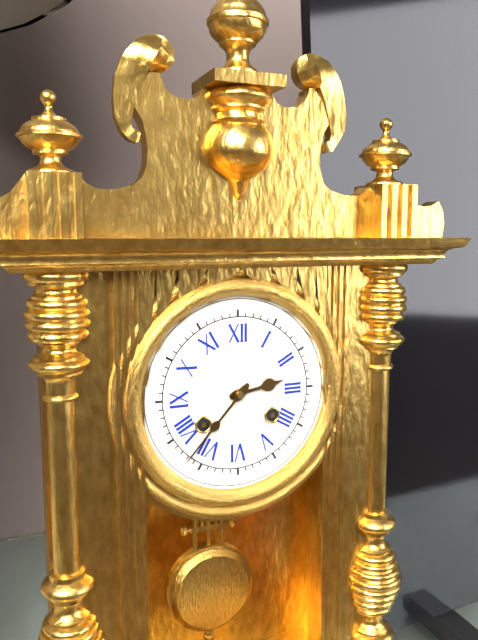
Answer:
h=2 m=37
